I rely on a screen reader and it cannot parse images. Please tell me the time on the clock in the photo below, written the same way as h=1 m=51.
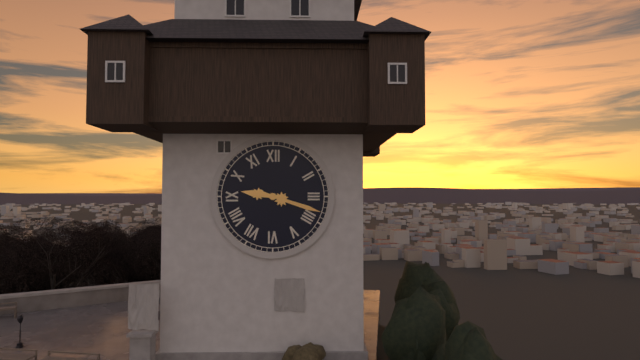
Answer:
h=9 m=18
